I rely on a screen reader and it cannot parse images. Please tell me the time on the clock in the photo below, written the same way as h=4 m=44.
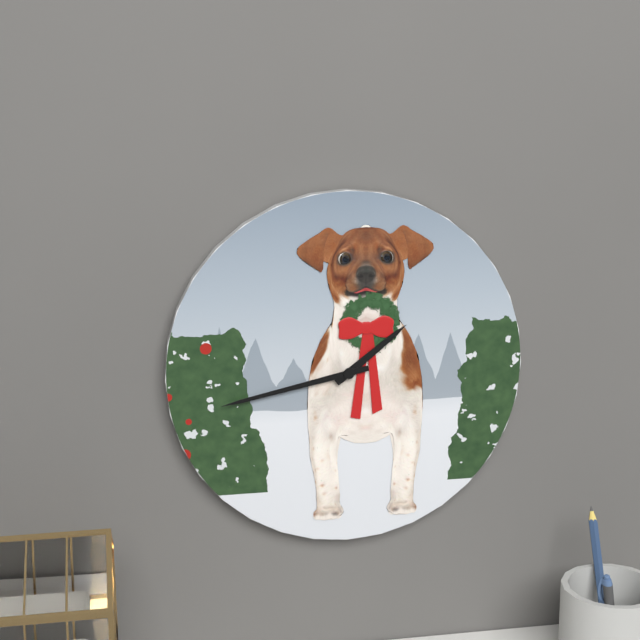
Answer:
h=1 m=43
